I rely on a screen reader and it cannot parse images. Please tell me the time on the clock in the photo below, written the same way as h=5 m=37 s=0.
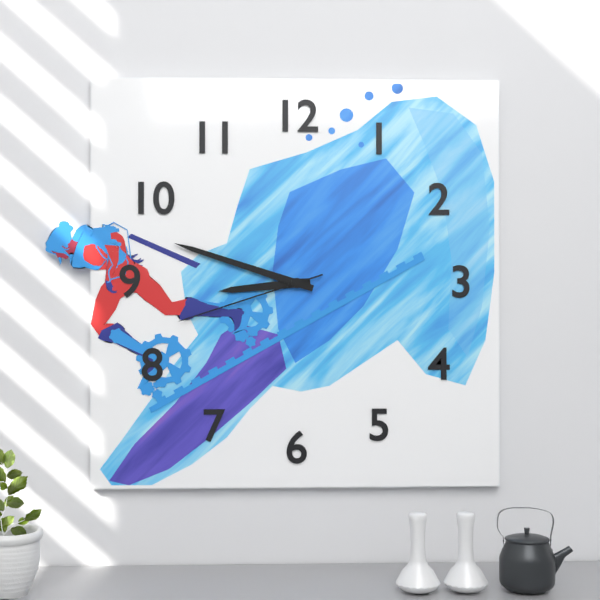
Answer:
h=8 m=48 s=42
